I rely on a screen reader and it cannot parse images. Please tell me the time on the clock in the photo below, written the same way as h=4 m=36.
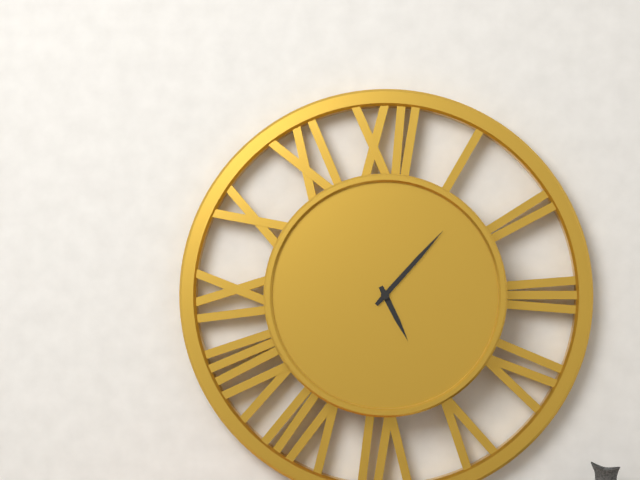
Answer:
h=5 m=7
